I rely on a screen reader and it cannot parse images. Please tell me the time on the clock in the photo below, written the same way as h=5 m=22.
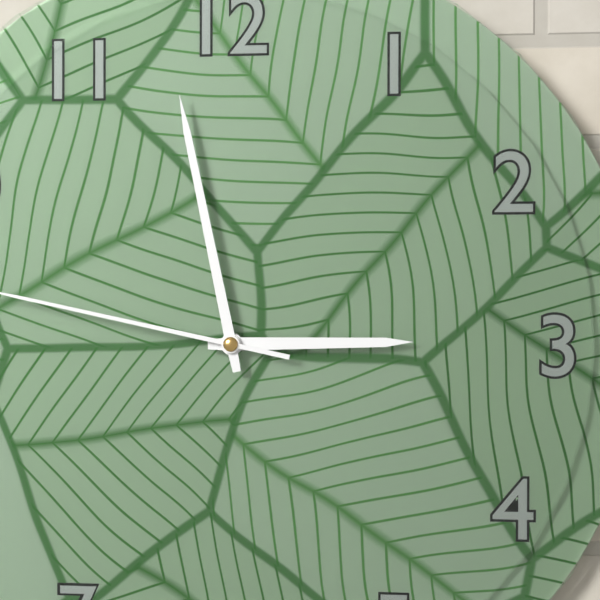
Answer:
h=2 m=58
